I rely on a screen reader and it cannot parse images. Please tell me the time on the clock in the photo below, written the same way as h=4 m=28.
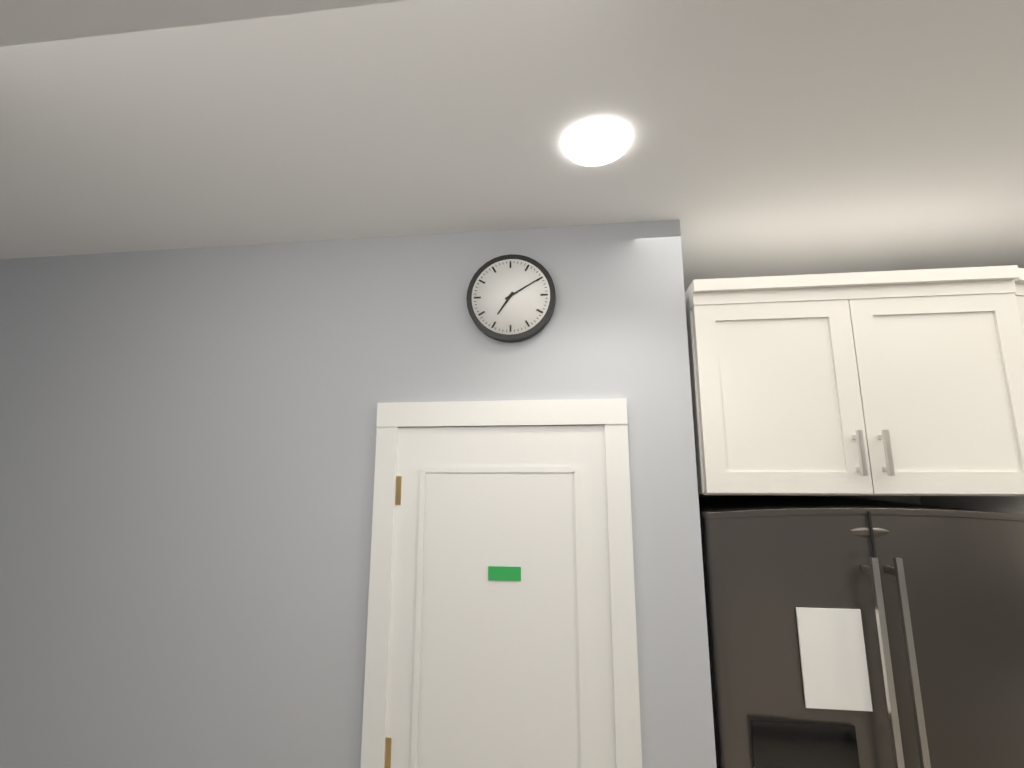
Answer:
h=7 m=10
